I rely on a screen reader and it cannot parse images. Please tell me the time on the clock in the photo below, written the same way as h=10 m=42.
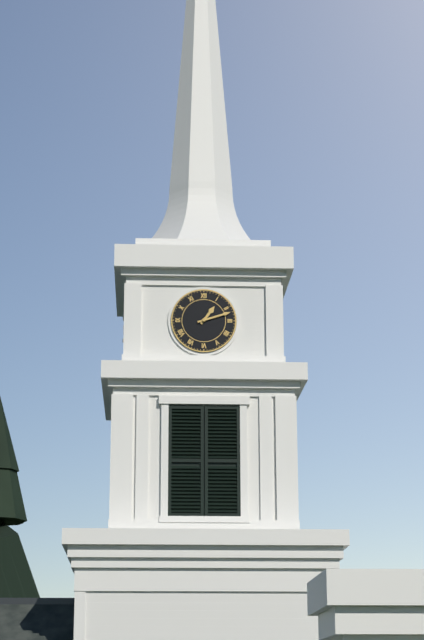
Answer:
h=1 m=12
